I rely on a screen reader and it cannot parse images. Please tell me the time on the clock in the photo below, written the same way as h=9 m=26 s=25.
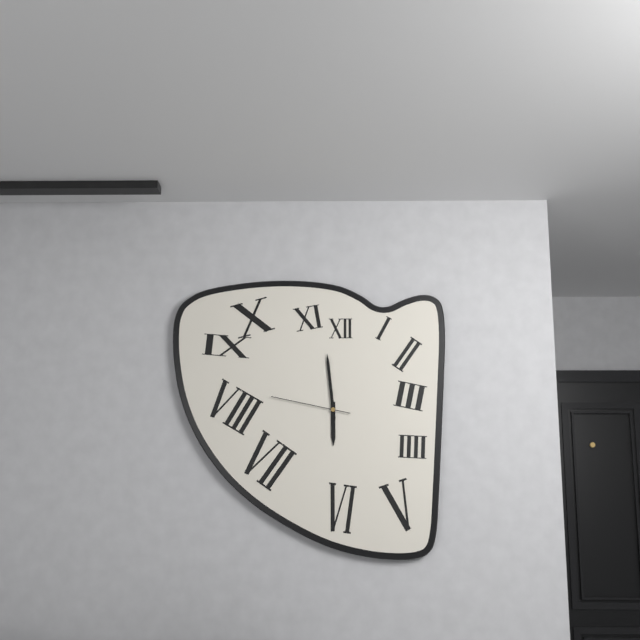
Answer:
h=5 m=59 s=47
